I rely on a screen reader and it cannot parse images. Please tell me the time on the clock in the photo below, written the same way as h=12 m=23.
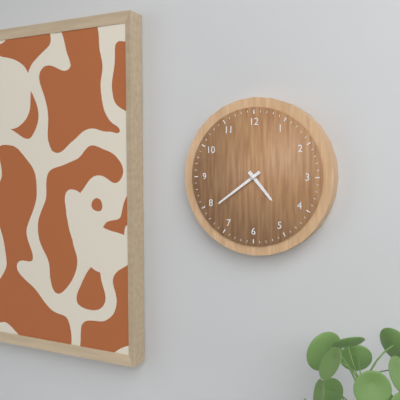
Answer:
h=4 m=39
